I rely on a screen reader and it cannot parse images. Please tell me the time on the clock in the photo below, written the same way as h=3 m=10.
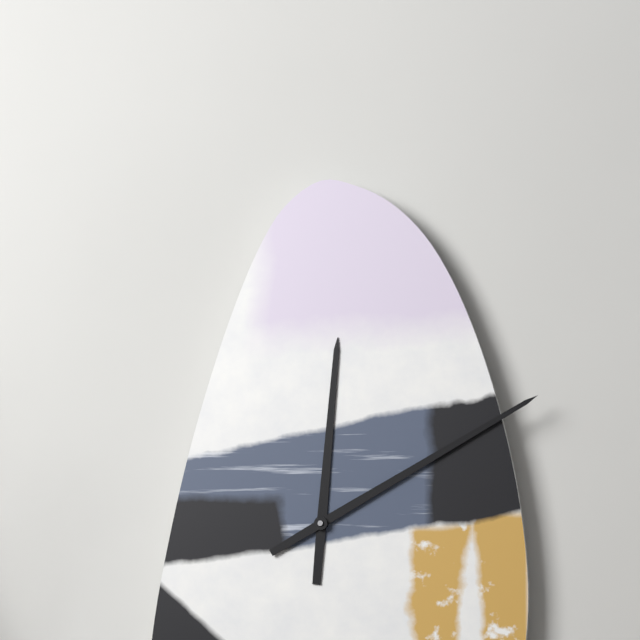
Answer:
h=12 m=10
